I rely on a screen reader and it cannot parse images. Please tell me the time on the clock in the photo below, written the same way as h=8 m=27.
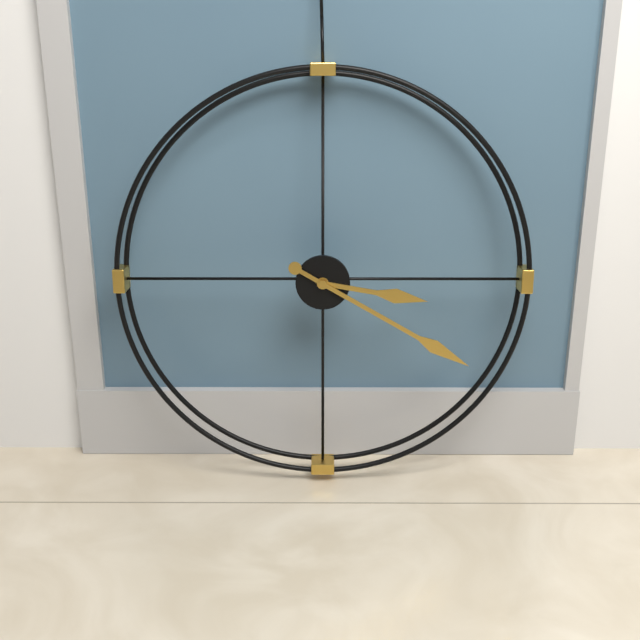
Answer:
h=3 m=20
